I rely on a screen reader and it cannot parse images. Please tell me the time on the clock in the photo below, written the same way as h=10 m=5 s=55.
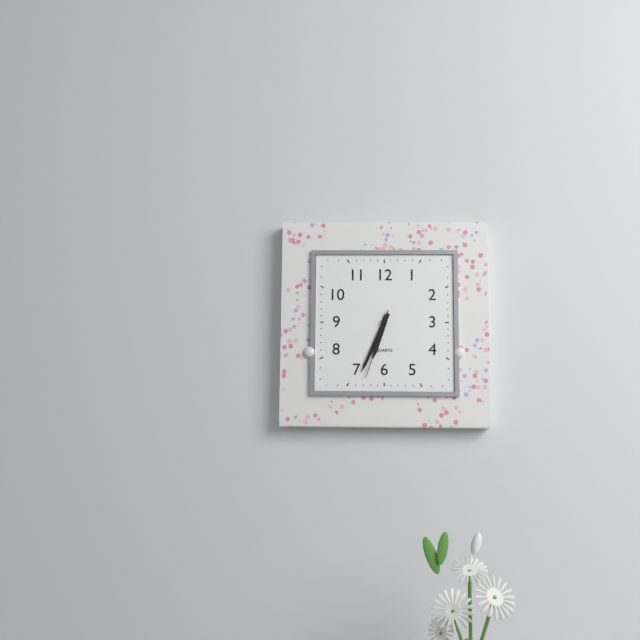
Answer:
h=6 m=34 s=33
